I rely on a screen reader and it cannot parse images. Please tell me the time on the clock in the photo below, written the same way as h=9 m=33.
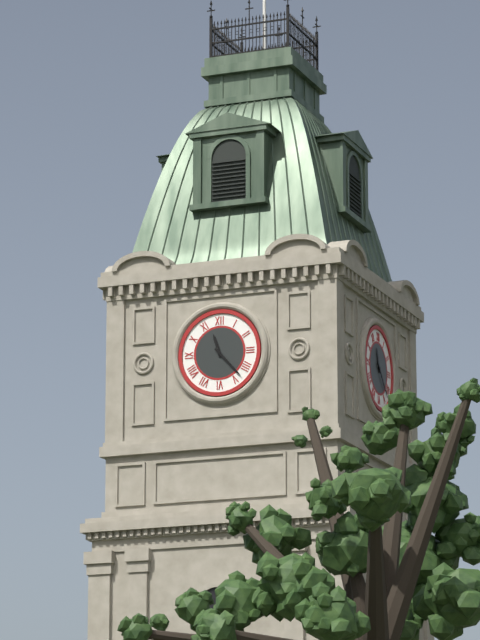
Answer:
h=11 m=23
